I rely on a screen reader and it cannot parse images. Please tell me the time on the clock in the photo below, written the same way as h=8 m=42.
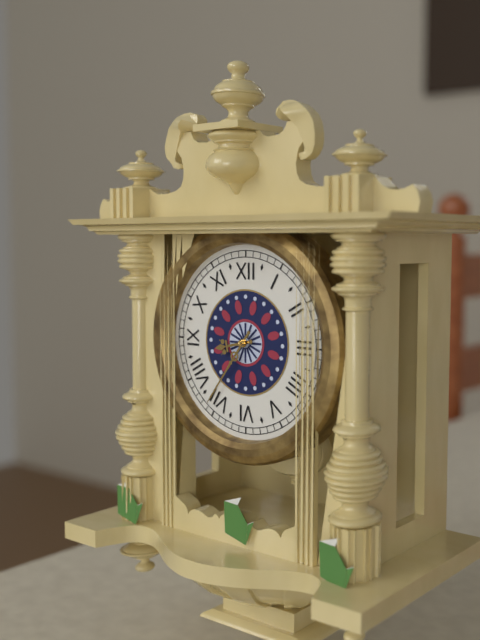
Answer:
h=8 m=36
